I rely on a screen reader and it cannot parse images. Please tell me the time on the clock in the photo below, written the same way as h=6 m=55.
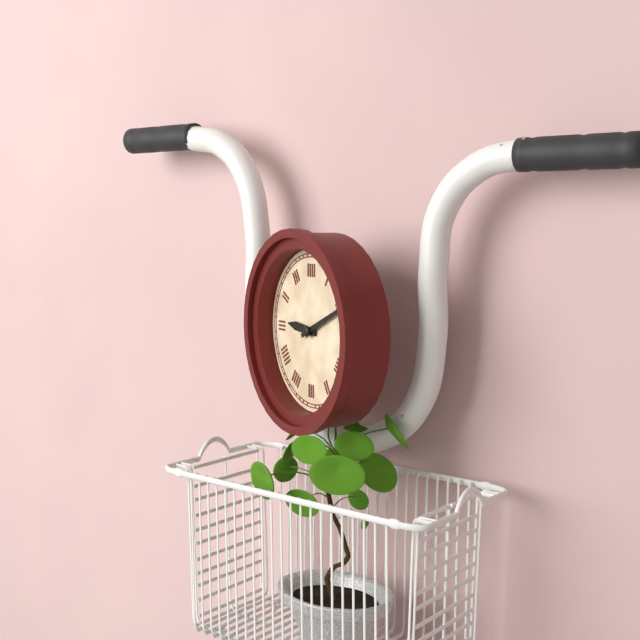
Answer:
h=9 m=11
